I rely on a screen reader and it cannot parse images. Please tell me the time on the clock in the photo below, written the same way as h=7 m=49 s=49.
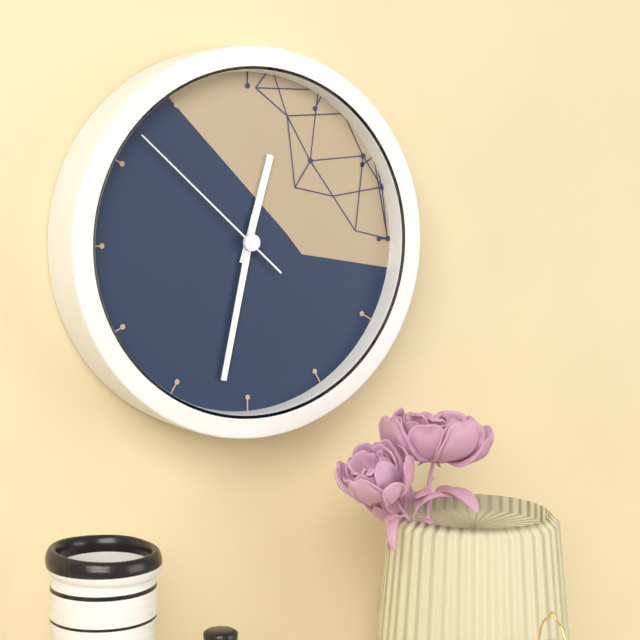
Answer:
h=12 m=32 s=52
